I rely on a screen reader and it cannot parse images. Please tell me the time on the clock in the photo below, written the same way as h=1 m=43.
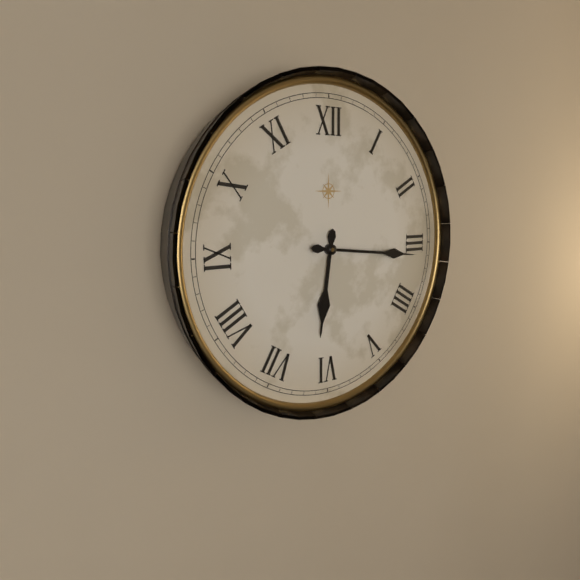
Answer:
h=6 m=16
